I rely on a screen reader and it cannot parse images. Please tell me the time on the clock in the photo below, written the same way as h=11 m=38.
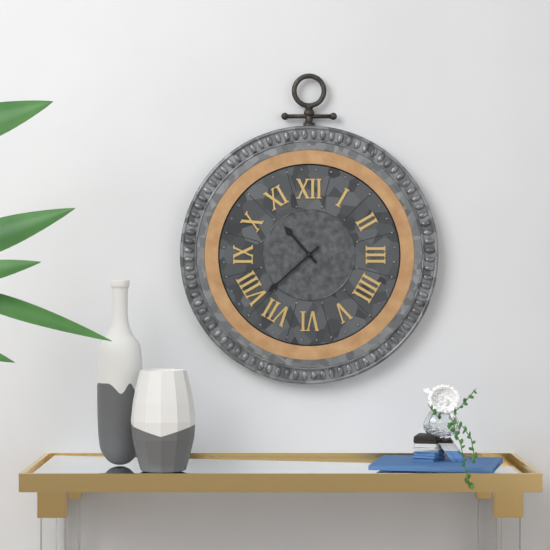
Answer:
h=10 m=38
